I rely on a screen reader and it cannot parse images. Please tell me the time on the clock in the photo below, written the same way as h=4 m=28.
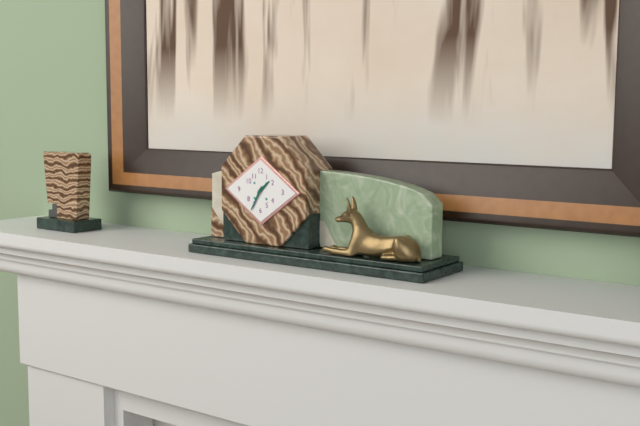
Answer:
h=1 m=35
